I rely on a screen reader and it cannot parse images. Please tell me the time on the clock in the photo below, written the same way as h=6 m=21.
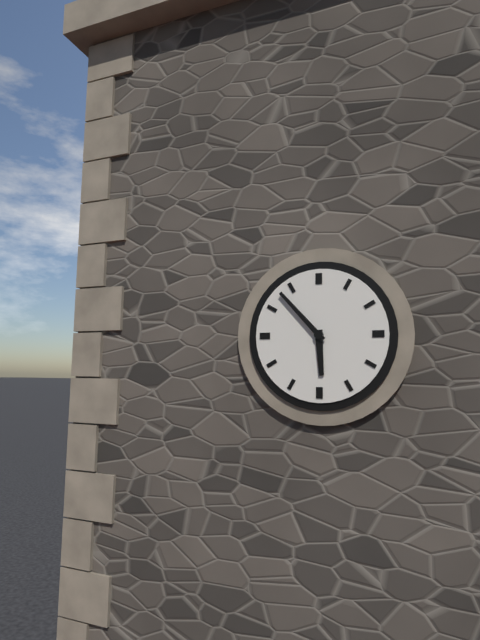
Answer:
h=5 m=53
